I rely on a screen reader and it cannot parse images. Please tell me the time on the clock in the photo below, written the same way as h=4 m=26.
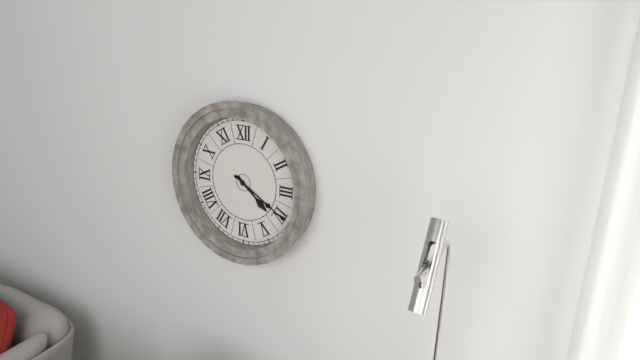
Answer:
h=4 m=20
